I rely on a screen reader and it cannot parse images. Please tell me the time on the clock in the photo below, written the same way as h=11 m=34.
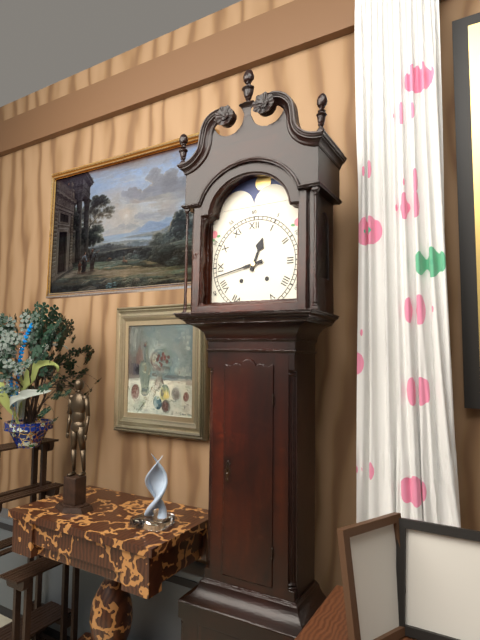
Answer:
h=12 m=43
